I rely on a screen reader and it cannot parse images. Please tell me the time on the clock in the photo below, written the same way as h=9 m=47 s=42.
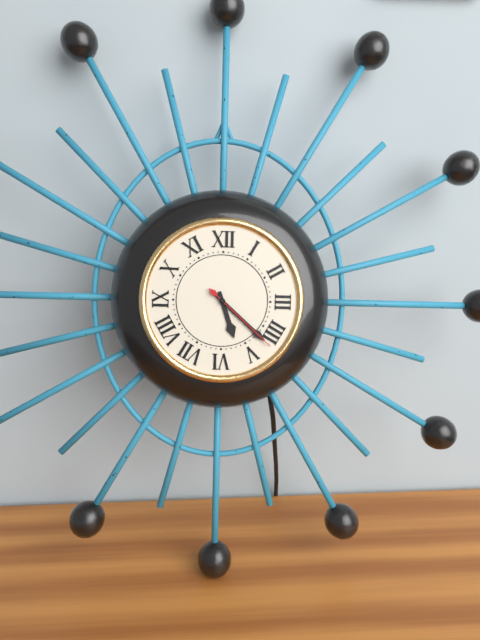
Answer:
h=5 m=22 s=22
